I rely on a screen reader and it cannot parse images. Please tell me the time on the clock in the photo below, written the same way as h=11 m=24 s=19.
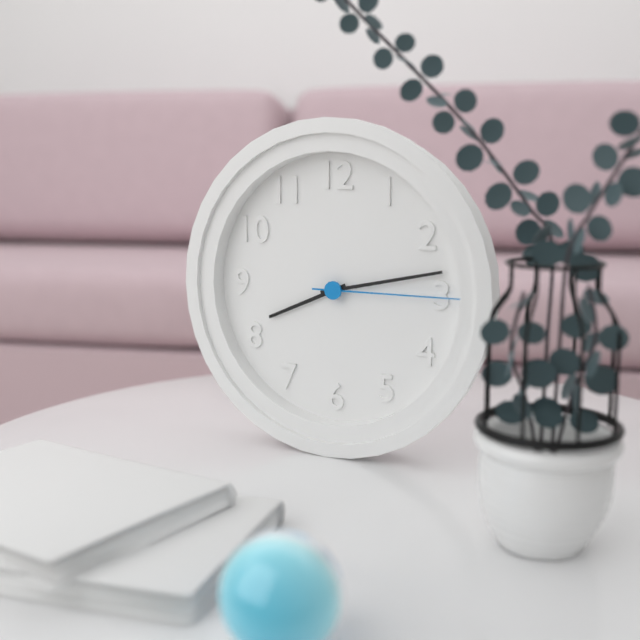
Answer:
h=8 m=13 s=15
